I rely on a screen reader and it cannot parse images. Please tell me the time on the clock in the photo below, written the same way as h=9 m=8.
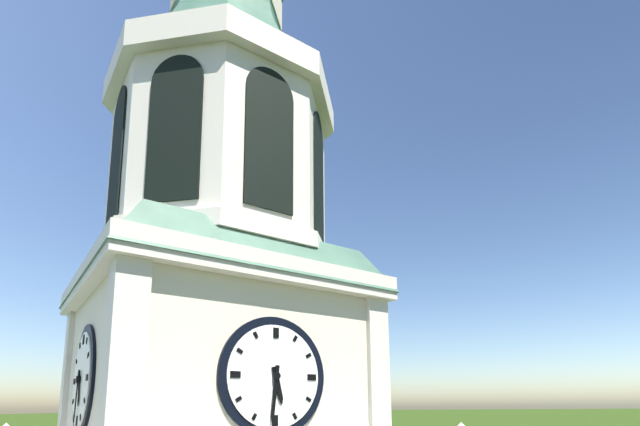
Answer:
h=5 m=31
